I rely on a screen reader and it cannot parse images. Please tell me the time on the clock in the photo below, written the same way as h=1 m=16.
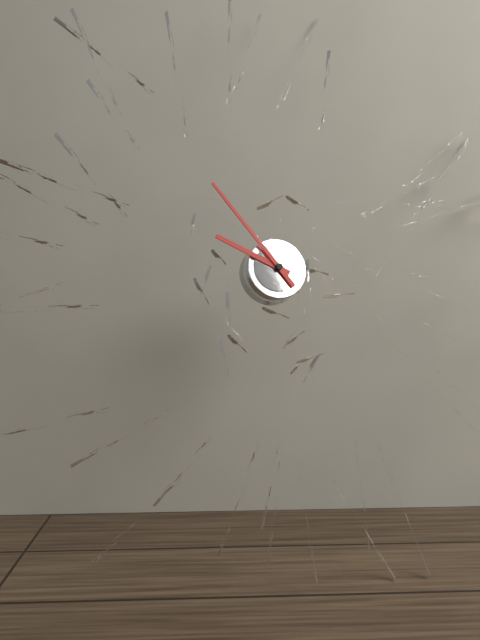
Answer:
h=9 m=54
